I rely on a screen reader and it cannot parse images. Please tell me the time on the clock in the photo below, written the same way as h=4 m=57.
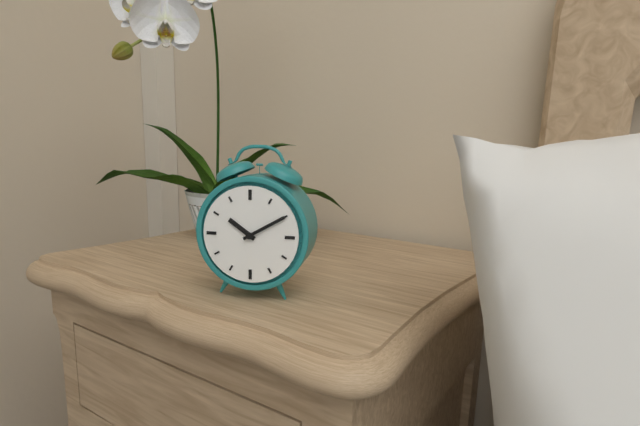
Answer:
h=10 m=10
